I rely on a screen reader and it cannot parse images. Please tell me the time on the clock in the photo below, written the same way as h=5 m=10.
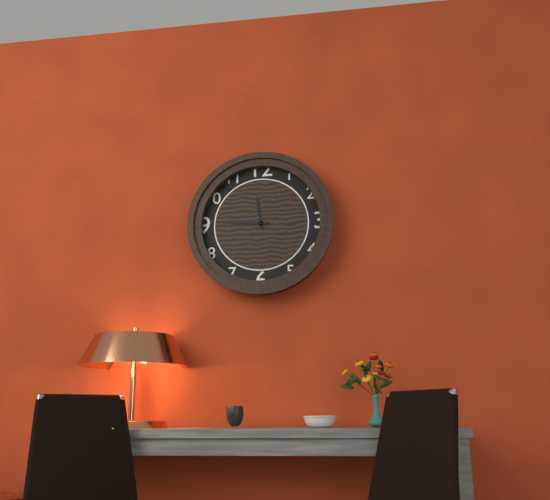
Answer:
h=11 m=46
